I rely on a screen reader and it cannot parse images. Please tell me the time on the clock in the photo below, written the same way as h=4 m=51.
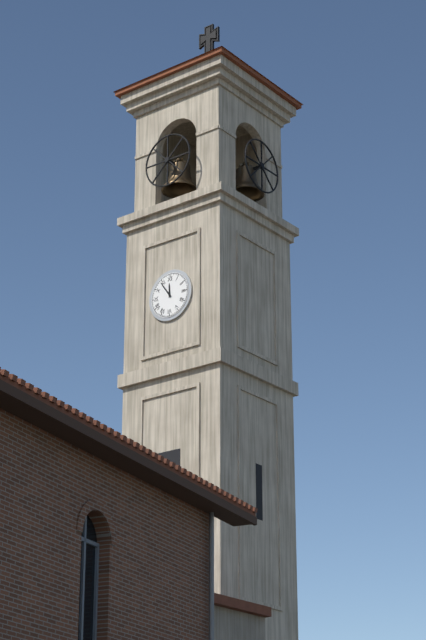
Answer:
h=11 m=54
